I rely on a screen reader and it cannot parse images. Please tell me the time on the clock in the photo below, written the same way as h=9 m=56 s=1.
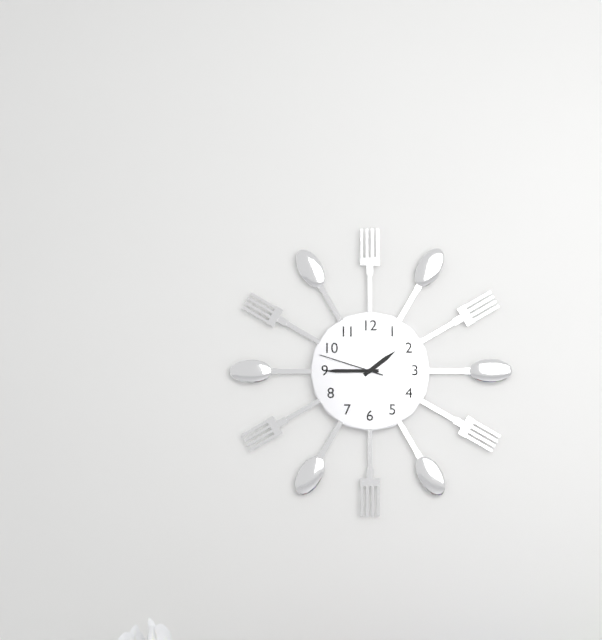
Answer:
h=1 m=45 s=48
